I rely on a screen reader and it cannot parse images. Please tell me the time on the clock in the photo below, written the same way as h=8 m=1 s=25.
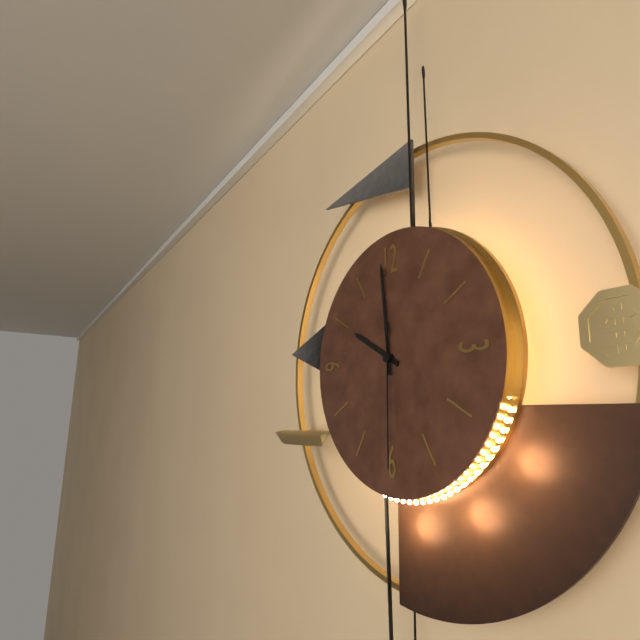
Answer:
h=9 m=59 s=30
